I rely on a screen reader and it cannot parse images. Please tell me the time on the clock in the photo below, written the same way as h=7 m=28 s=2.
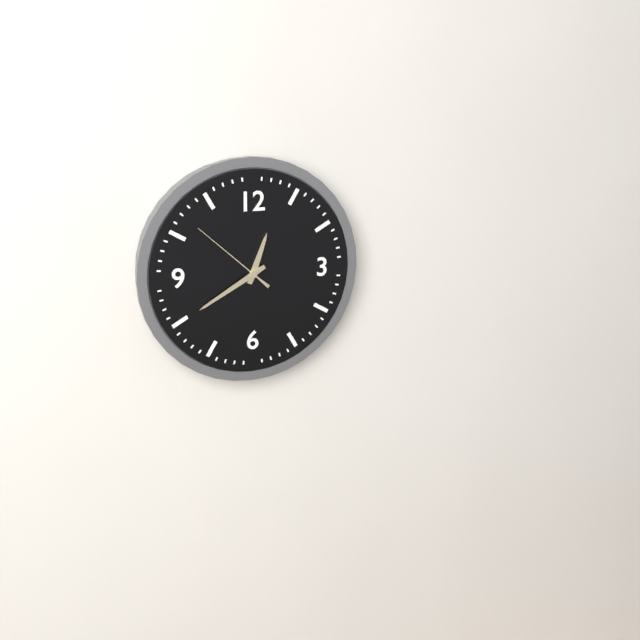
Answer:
h=12 m=40 s=52
